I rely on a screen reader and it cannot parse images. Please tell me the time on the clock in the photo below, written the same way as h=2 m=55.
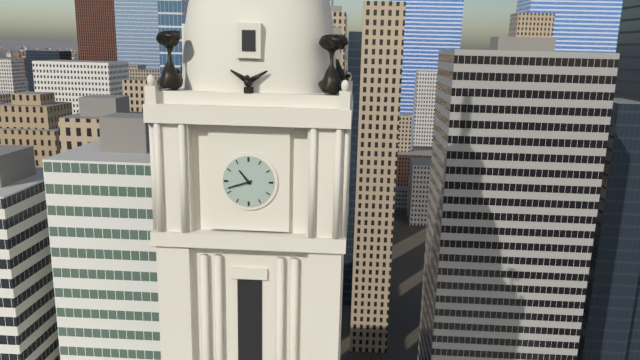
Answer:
h=10 m=42
